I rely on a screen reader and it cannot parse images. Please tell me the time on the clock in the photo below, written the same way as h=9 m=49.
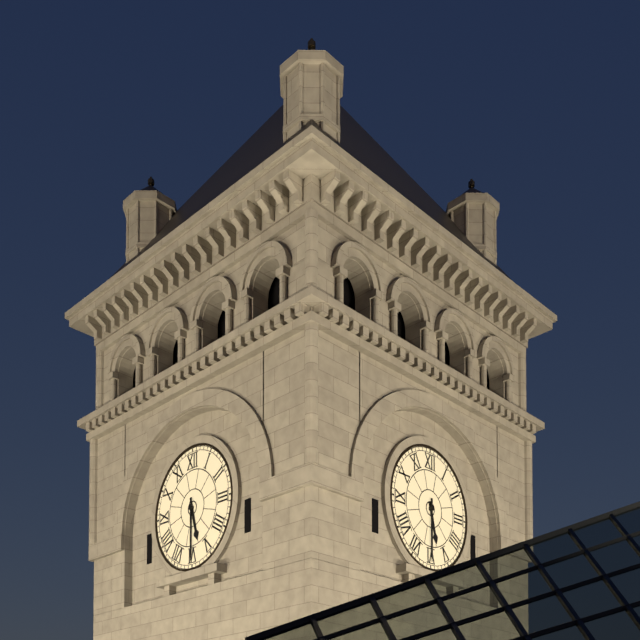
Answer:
h=5 m=30
